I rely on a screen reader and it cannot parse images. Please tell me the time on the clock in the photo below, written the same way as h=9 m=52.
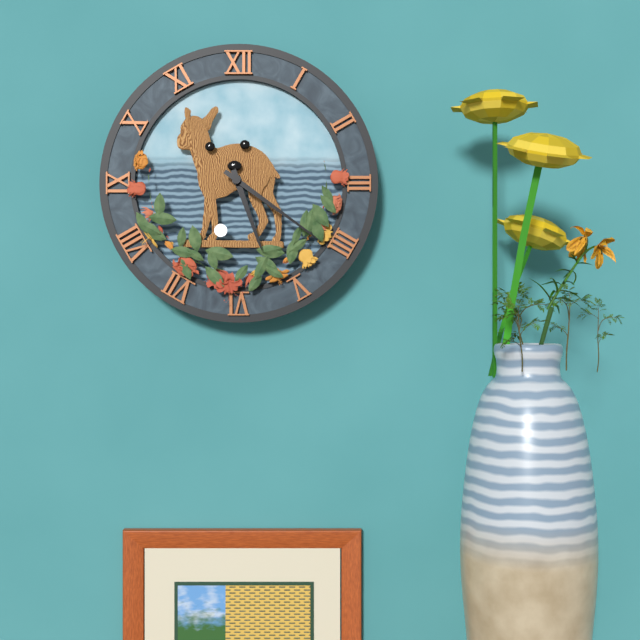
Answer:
h=5 m=21
